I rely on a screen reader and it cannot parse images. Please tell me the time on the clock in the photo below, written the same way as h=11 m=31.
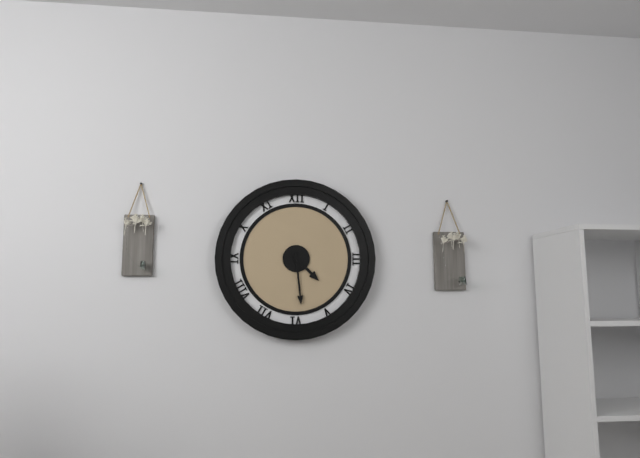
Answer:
h=4 m=29
